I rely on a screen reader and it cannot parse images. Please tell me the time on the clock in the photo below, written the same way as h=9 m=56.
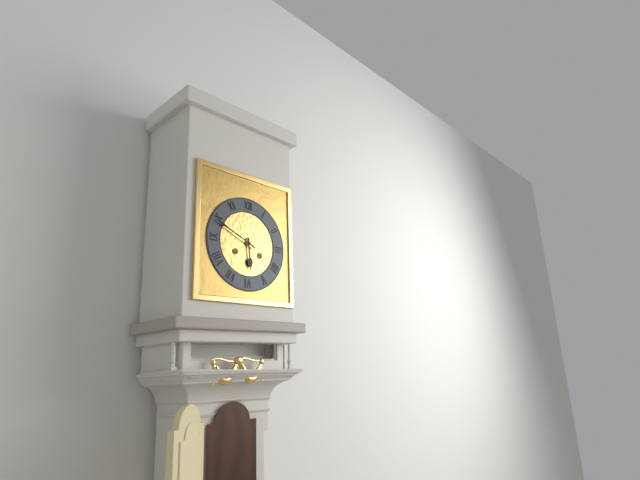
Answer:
h=5 m=49
